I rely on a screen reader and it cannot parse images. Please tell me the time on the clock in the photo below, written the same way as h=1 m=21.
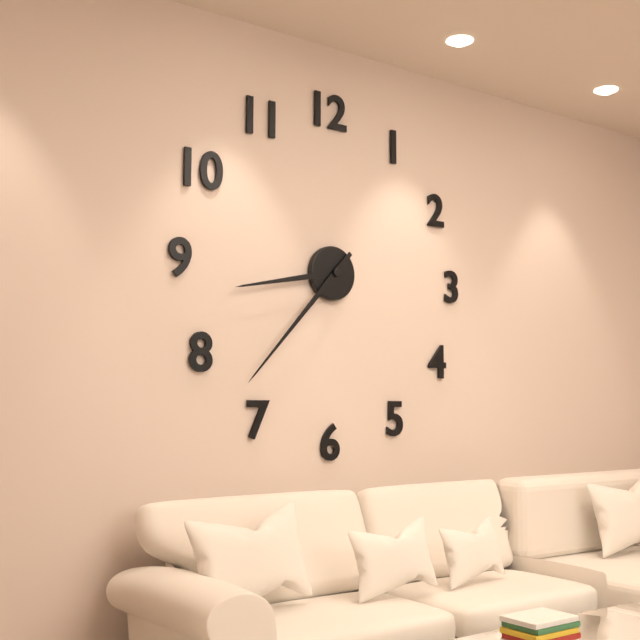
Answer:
h=8 m=37
